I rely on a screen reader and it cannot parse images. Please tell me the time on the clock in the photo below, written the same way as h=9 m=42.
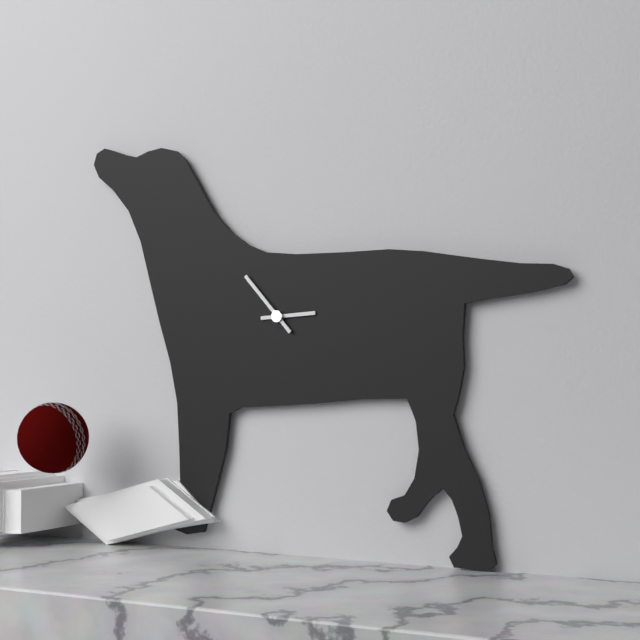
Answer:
h=2 m=53
